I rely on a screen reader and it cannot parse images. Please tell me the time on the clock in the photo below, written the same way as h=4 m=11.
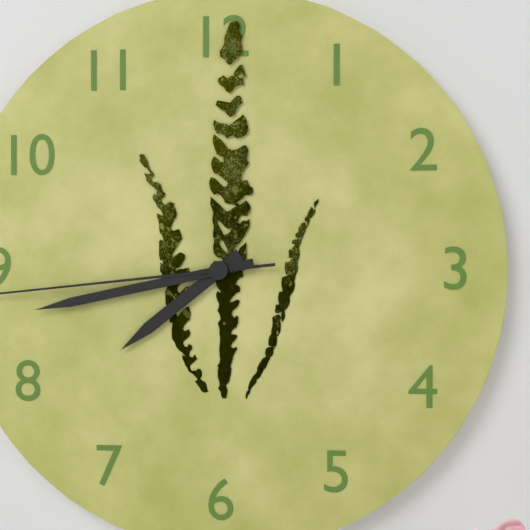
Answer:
h=7 m=43
